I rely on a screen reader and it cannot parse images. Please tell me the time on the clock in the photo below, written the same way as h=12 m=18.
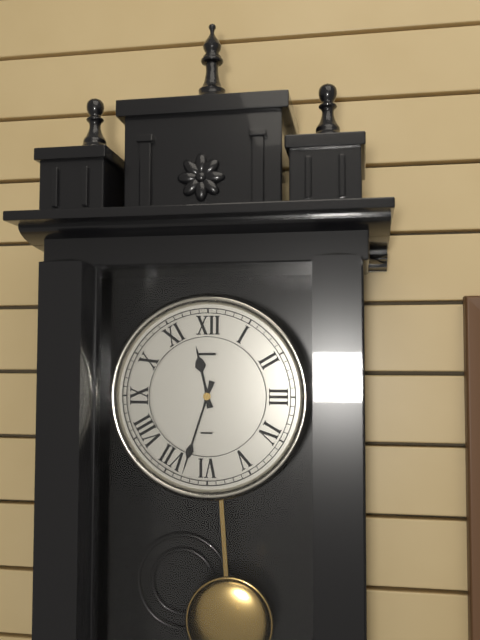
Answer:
h=11 m=33
